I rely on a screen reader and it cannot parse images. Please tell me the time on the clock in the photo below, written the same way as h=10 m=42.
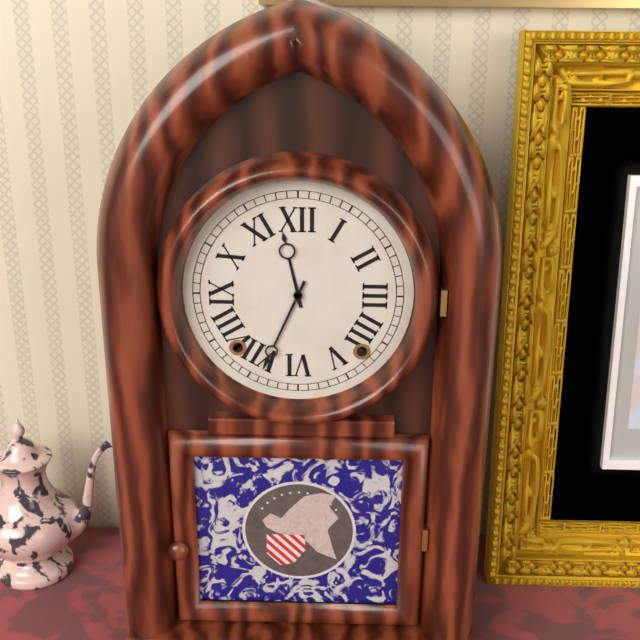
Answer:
h=11 m=34
